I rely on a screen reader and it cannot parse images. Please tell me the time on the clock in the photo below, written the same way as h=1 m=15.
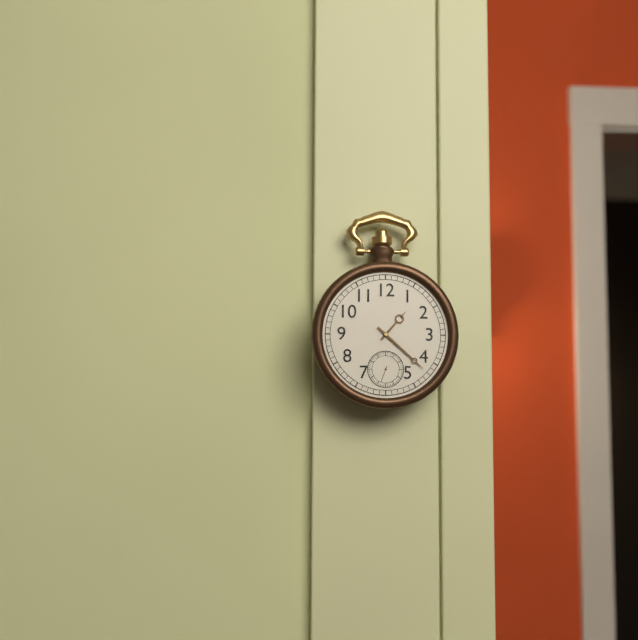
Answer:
h=1 m=22
